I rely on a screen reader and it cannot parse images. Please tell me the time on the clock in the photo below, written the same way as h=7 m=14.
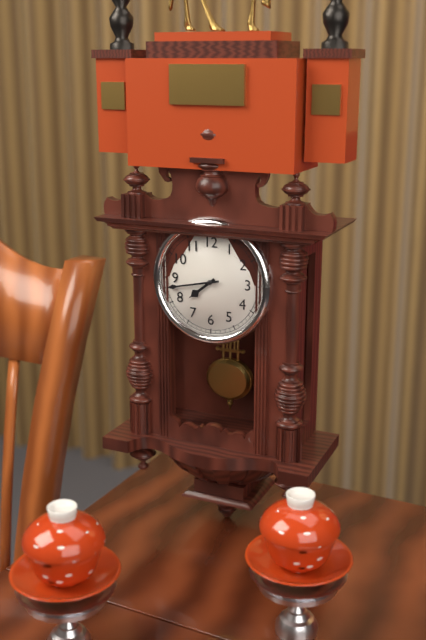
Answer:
h=7 m=43
